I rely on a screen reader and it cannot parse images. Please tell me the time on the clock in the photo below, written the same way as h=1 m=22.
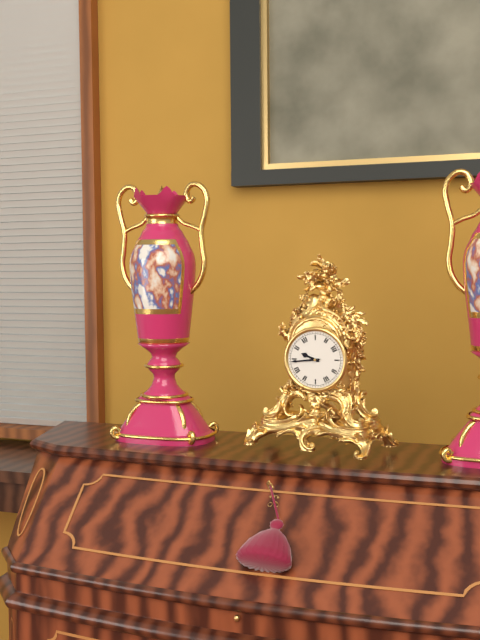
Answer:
h=9 m=44
